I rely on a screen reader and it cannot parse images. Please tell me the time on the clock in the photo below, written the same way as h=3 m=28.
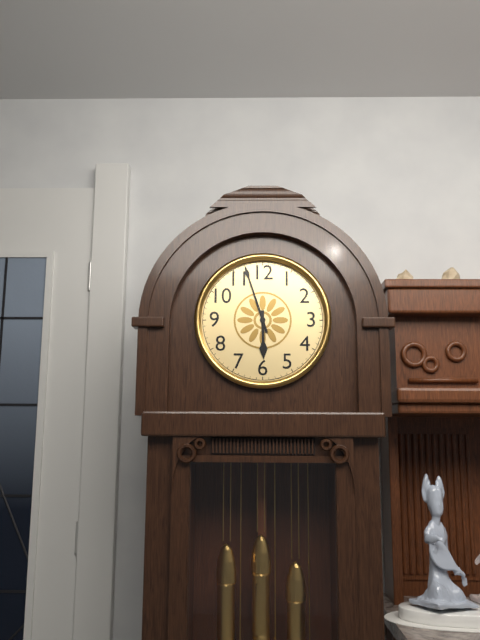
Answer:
h=5 m=57
